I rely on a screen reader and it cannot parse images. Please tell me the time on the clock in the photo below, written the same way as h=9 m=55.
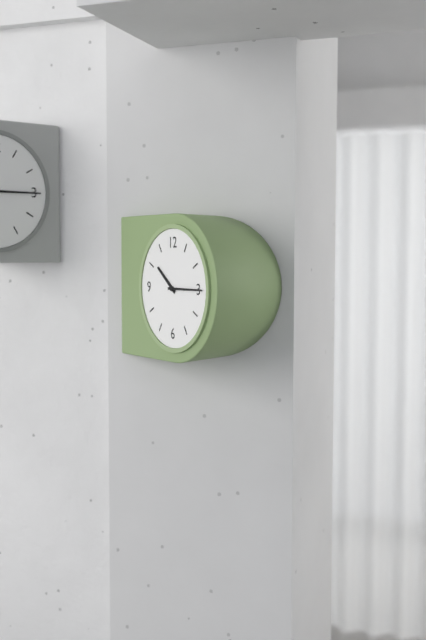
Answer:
h=10 m=15
